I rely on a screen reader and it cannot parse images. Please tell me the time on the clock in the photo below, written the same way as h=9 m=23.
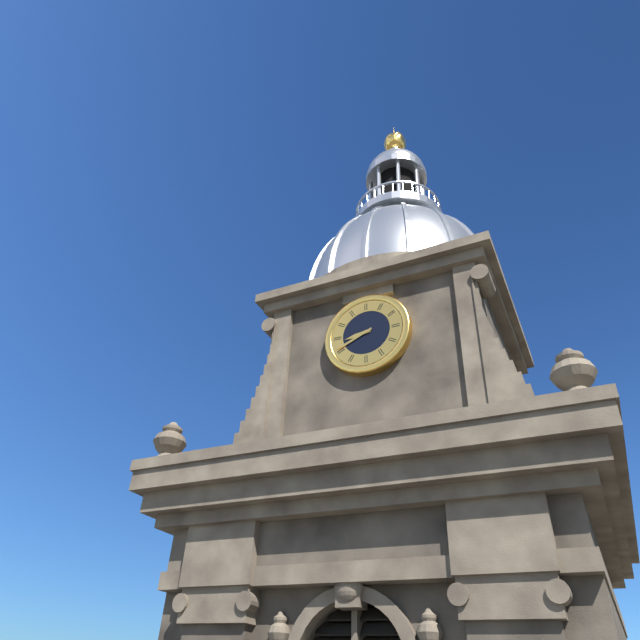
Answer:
h=8 m=41
